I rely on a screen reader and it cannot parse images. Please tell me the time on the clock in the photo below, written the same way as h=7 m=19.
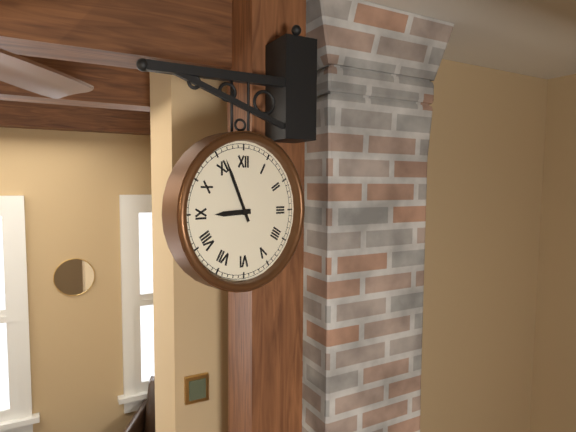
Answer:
h=8 m=56
